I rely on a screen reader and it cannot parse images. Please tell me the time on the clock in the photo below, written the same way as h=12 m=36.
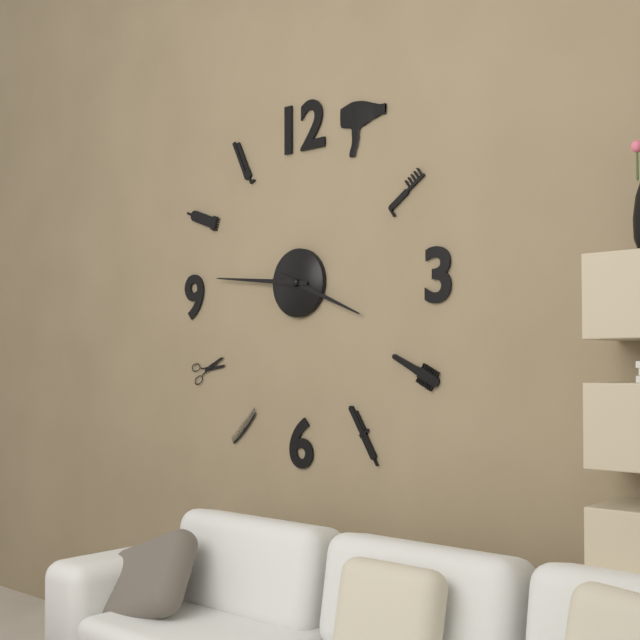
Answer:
h=3 m=46
